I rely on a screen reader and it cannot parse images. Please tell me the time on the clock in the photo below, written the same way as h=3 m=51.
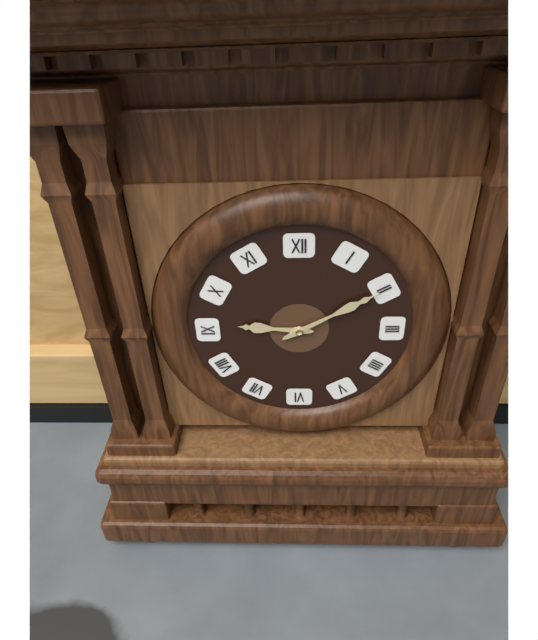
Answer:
h=9 m=10
